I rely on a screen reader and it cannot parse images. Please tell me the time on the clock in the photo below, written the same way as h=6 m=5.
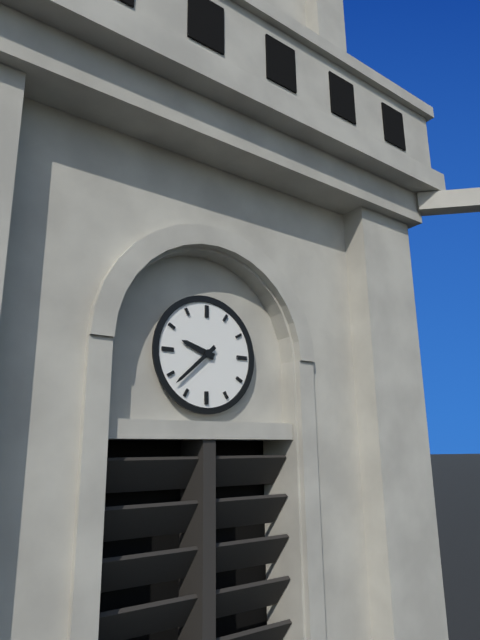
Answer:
h=9 m=38
